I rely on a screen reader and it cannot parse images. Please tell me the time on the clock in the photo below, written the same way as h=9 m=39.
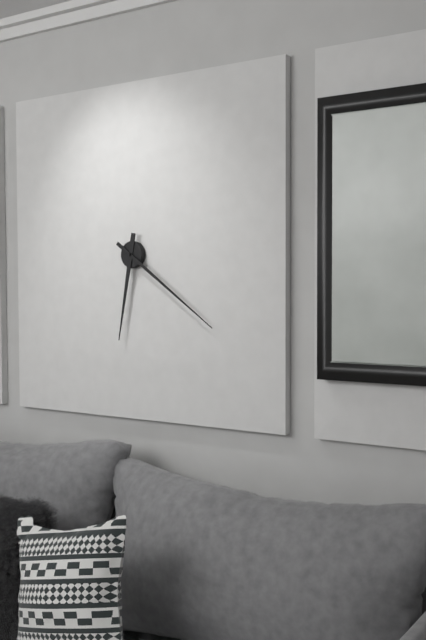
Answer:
h=6 m=21
